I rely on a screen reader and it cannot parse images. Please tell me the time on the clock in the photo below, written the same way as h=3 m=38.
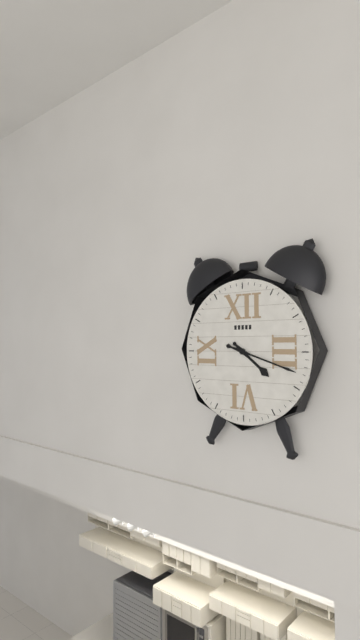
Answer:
h=4 m=18
